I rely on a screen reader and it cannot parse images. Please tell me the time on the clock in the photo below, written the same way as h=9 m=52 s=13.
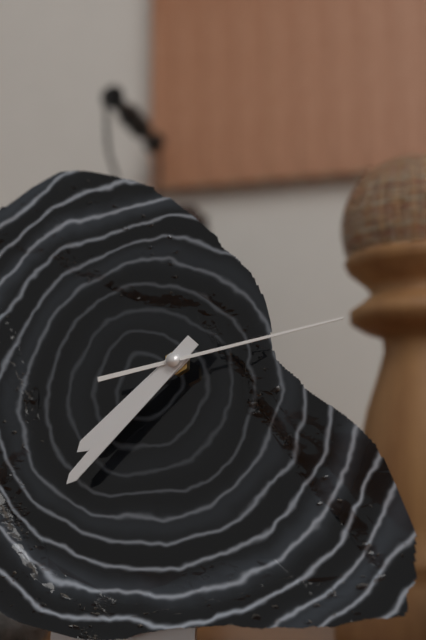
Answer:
h=7 m=37 s=13
